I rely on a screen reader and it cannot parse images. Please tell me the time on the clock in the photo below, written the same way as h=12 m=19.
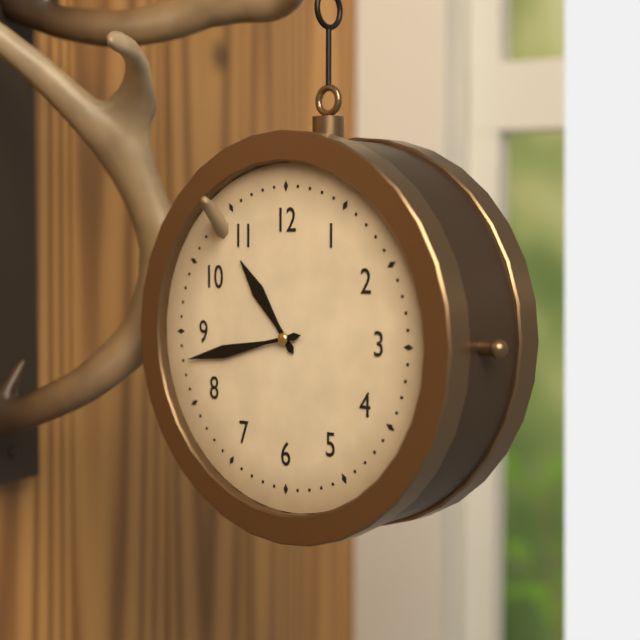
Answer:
h=10 m=43
